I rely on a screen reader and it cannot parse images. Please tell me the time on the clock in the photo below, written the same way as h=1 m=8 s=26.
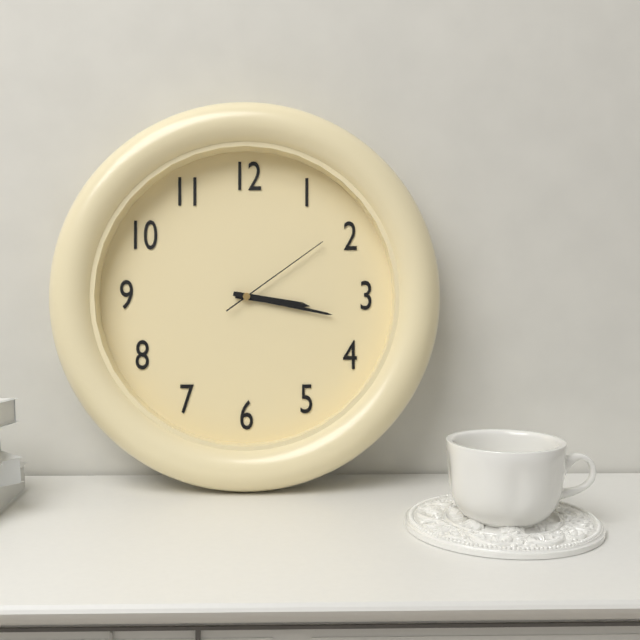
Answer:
h=3 m=17 s=9
